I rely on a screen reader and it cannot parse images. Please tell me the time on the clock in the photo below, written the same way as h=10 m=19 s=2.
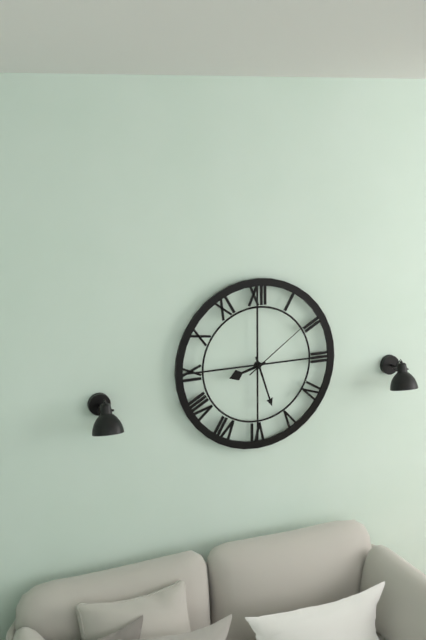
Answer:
h=8 m=27 s=9
